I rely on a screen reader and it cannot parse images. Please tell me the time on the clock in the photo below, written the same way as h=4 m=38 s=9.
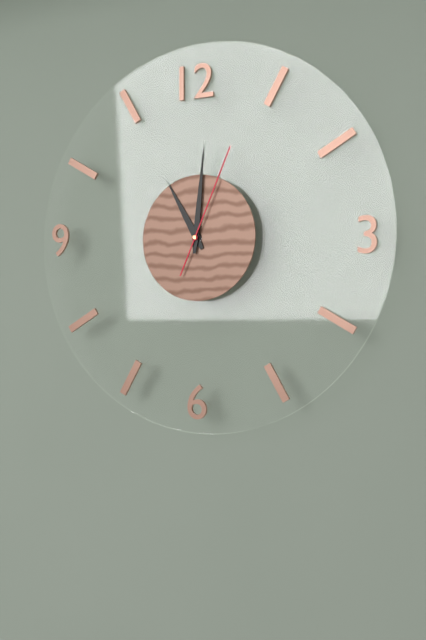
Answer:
h=11 m=1 s=4
